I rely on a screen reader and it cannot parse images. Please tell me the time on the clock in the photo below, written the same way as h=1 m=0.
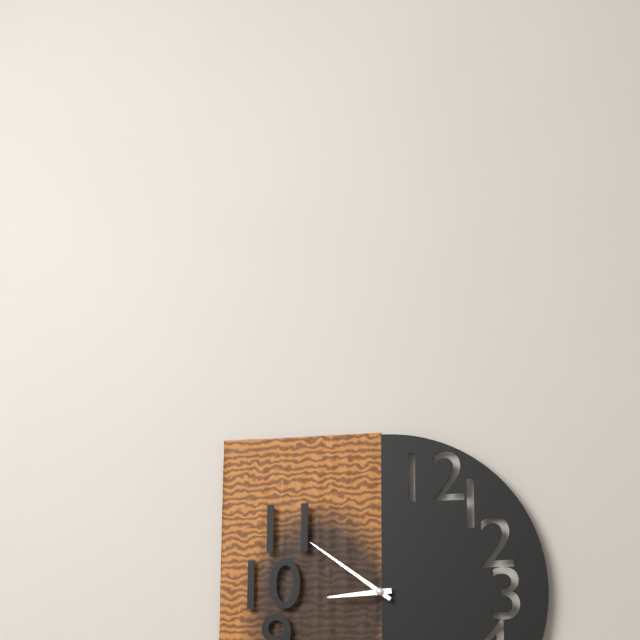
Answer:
h=8 m=51
